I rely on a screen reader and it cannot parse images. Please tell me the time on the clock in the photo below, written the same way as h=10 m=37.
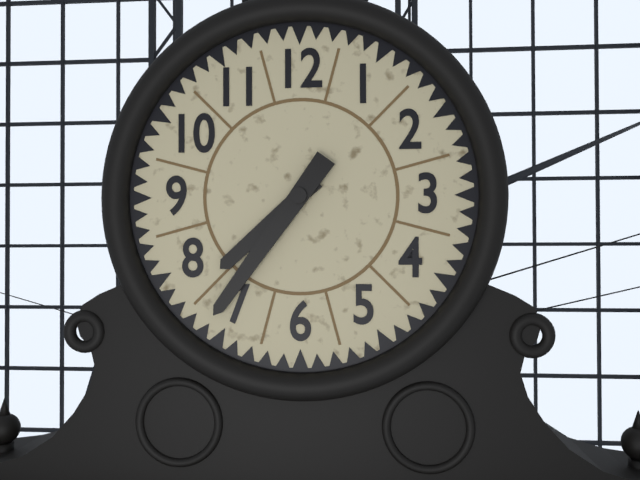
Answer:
h=7 m=36
